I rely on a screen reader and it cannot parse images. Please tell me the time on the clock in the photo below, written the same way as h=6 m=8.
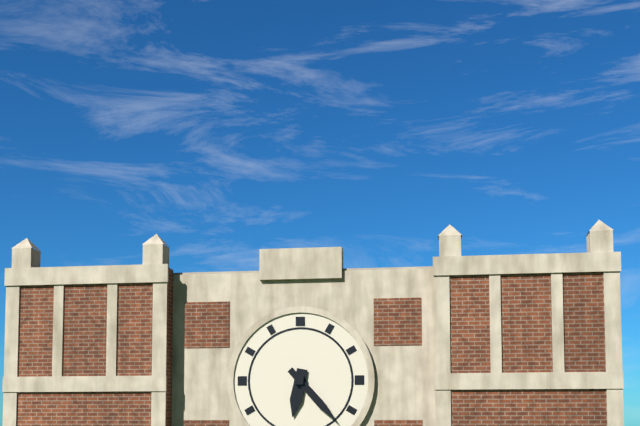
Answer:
h=6 m=23
